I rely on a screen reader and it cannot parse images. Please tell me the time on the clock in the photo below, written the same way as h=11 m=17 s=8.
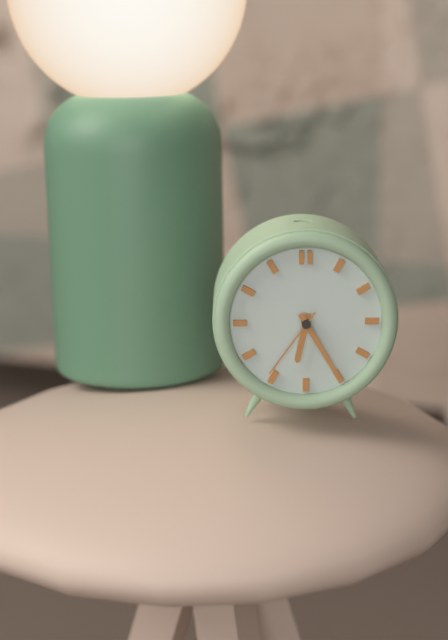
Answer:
h=6 m=25 s=36
